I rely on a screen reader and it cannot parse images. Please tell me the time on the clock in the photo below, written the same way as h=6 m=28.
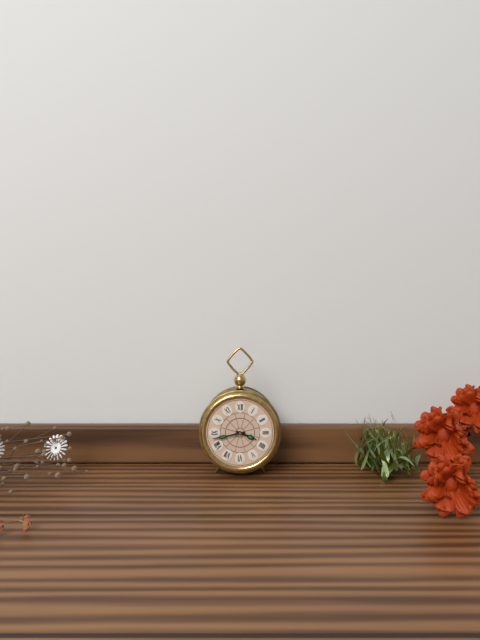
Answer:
h=3 m=43
